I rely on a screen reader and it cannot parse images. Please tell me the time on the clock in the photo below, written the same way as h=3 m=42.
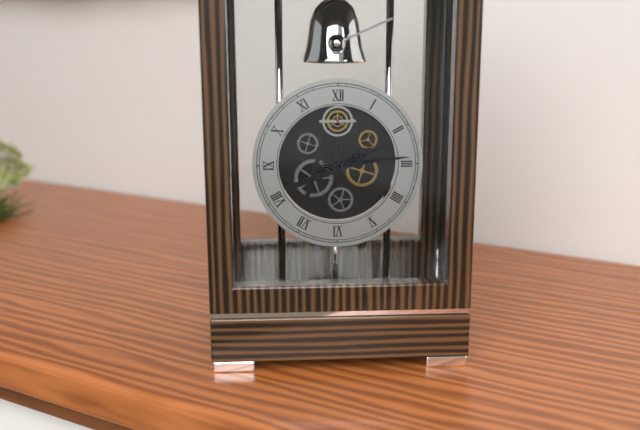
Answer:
h=2 m=14
